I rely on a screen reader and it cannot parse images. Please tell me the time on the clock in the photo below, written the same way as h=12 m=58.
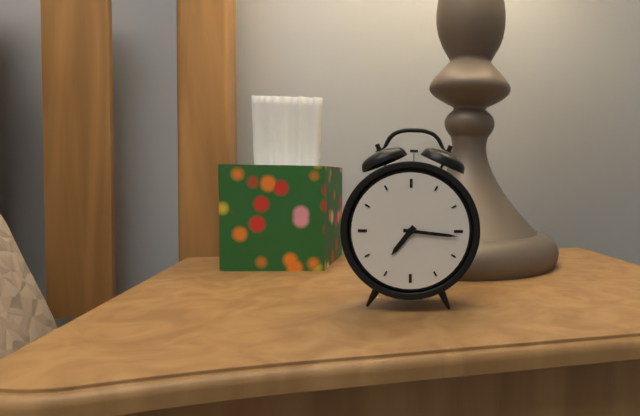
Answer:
h=7 m=16
